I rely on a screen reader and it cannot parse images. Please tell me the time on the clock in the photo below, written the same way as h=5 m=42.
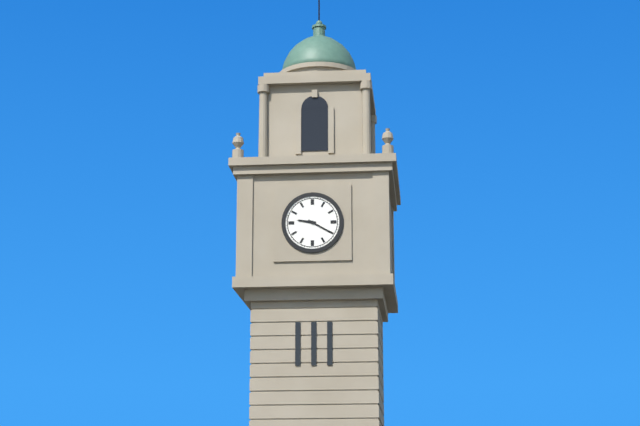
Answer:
h=9 m=20
